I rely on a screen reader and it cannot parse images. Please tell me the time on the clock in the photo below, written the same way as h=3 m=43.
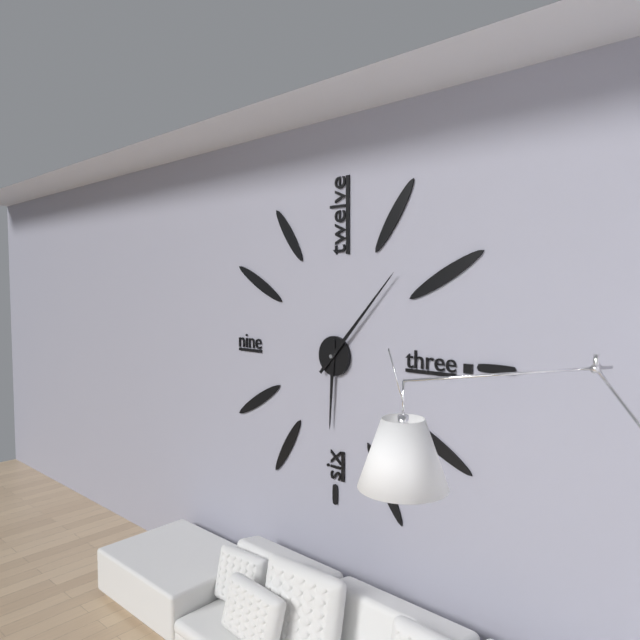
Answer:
h=6 m=7
